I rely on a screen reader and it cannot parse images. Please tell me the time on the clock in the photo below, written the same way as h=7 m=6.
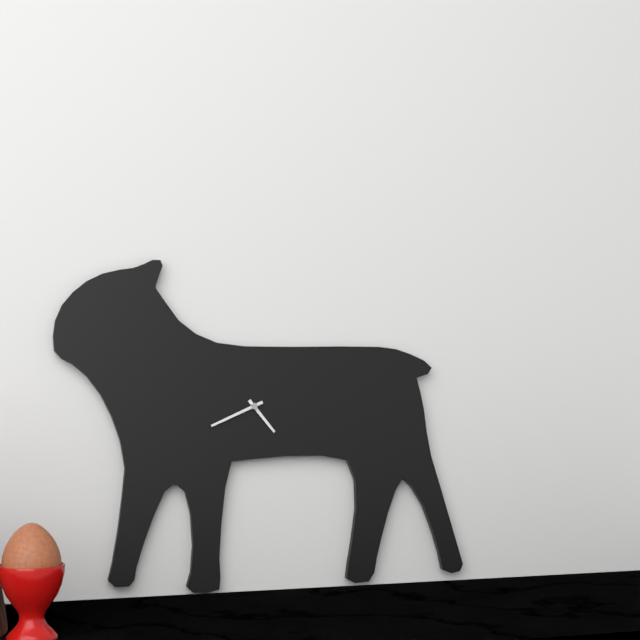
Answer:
h=4 m=41
